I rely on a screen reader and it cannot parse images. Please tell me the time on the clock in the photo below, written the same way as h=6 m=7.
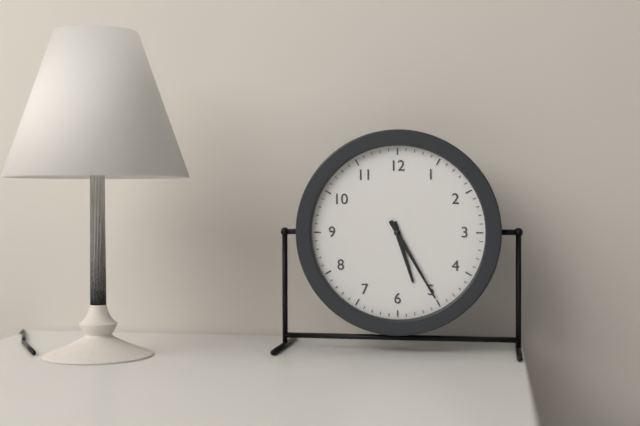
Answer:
h=5 m=25
